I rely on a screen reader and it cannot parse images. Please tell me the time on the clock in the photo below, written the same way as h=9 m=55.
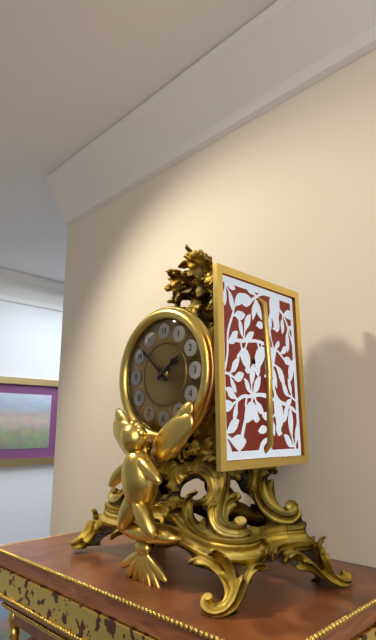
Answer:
h=1 m=52
